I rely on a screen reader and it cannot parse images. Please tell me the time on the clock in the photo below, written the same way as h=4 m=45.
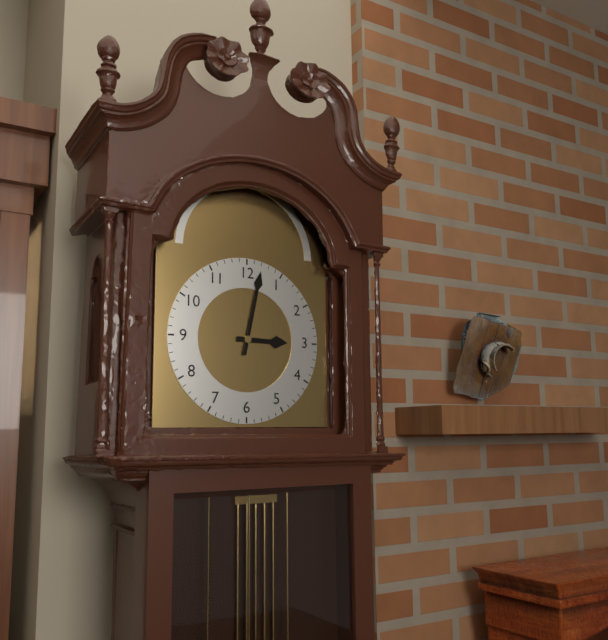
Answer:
h=3 m=2
